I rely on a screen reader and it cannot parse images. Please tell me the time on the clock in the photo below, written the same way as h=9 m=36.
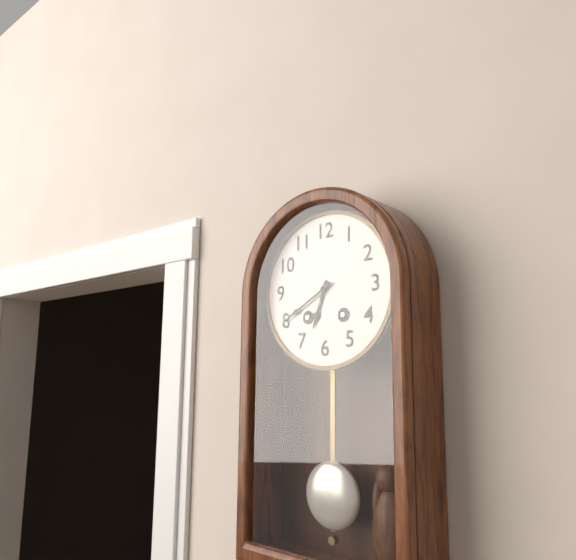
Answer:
h=6 m=40
